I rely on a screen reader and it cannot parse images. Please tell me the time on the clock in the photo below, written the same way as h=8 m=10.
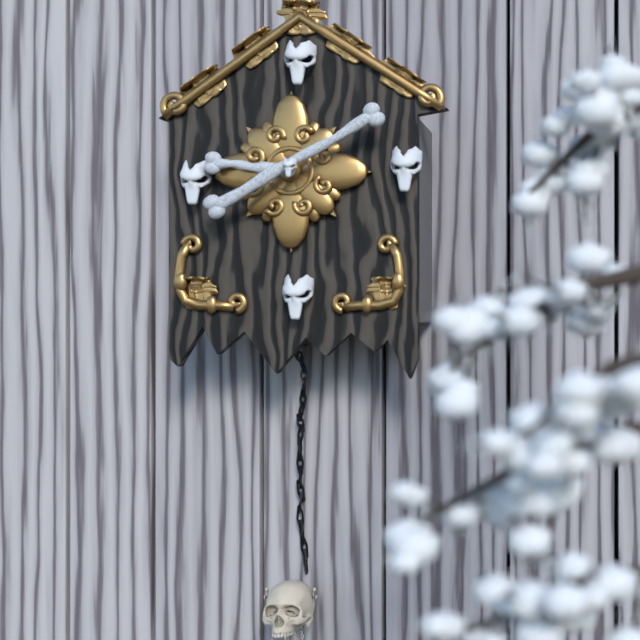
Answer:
h=9 m=10
